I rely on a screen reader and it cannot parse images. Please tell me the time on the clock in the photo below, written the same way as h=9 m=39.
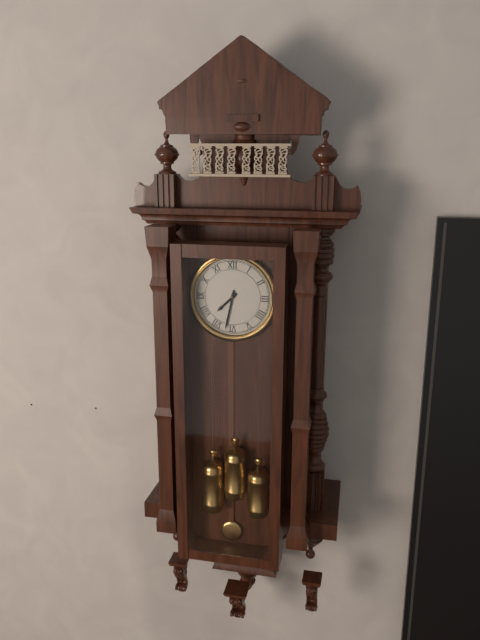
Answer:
h=7 m=32
